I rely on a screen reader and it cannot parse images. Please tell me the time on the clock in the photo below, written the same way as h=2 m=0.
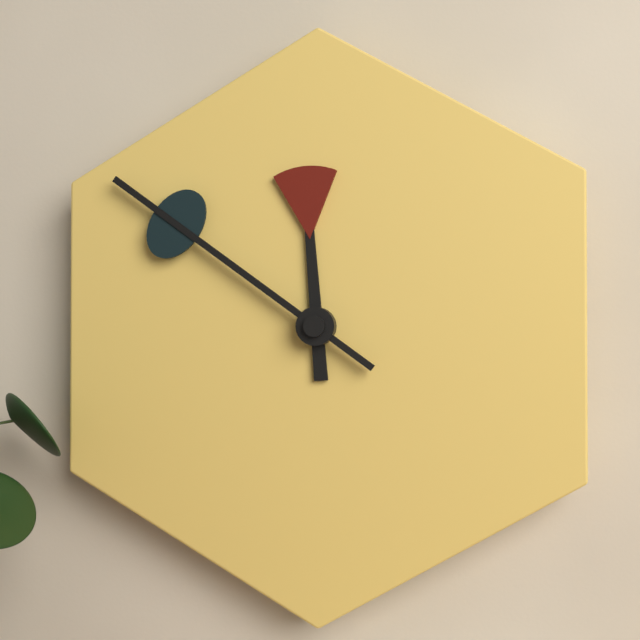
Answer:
h=11 m=51
